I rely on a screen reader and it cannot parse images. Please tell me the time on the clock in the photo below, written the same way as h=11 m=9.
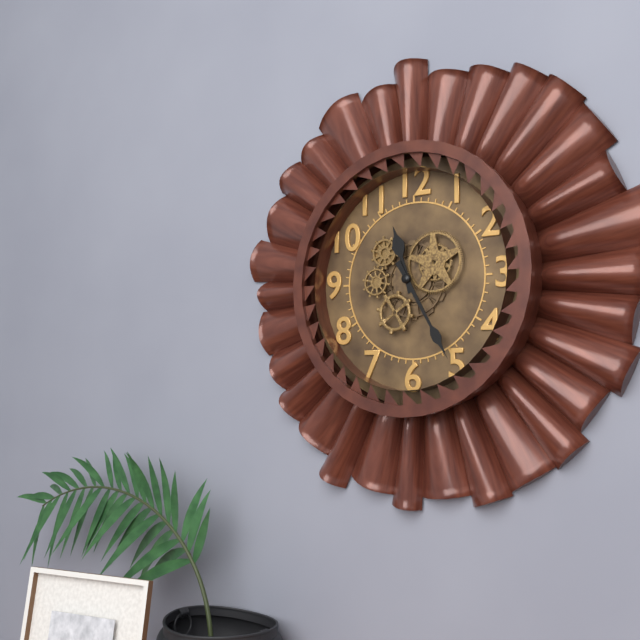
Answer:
h=11 m=25
